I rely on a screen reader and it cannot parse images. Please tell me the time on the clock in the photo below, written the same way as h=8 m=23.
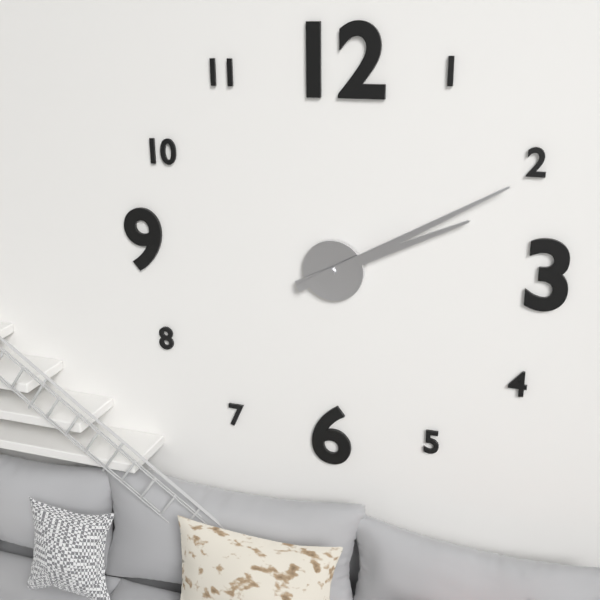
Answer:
h=2 m=10
